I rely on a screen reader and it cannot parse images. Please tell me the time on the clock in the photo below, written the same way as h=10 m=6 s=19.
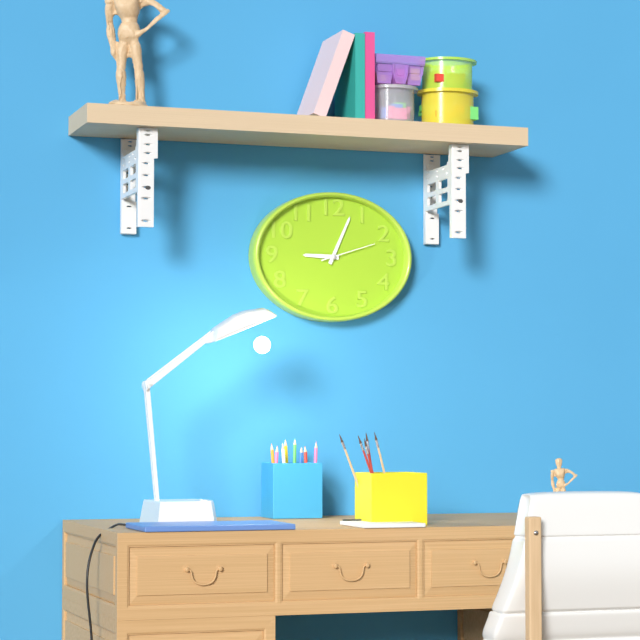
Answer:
h=9 m=4 s=12
